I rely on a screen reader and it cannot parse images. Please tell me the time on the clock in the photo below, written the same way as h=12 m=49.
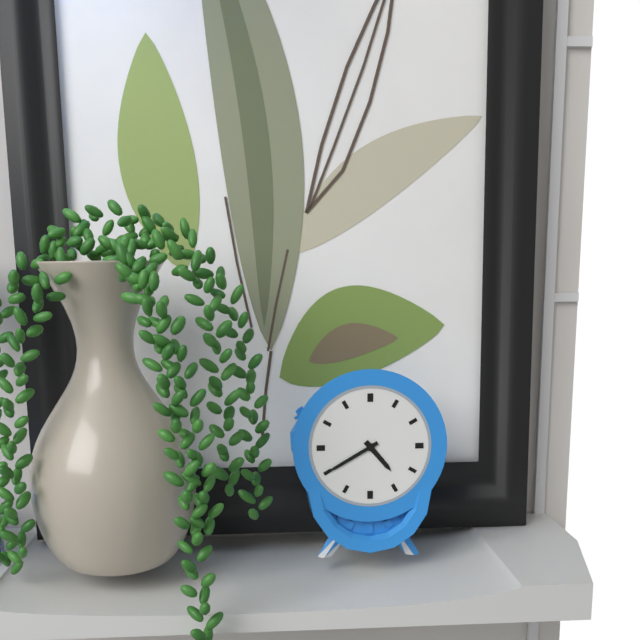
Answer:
h=4 m=40
